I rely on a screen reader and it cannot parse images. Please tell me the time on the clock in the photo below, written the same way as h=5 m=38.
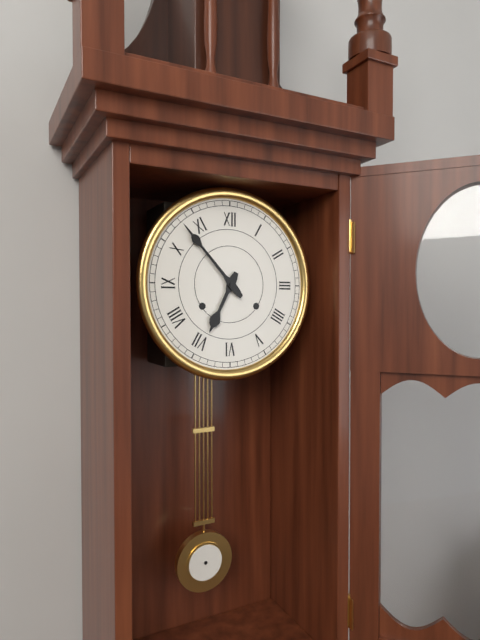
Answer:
h=6 m=53
